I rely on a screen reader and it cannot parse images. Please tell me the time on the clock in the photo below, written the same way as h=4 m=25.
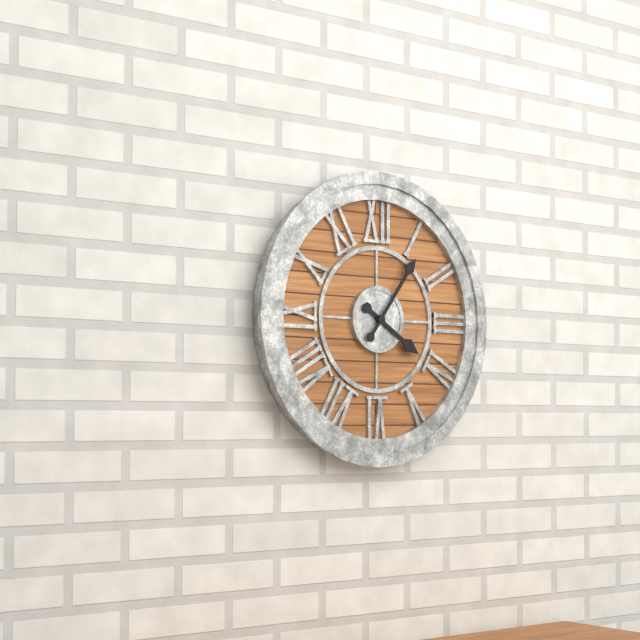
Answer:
h=4 m=6
